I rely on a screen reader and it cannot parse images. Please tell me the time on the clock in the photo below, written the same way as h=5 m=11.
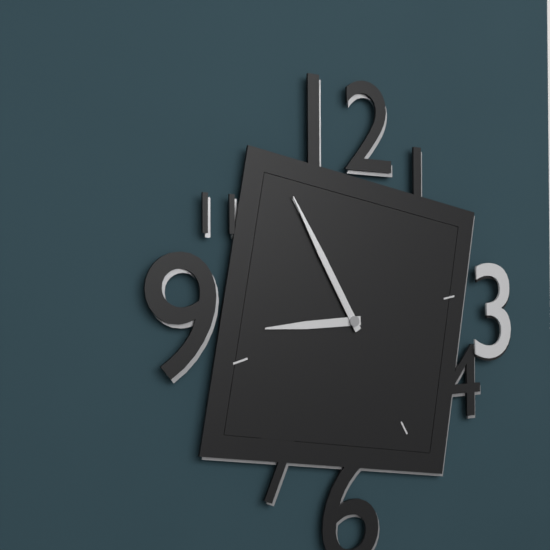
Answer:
h=8 m=55
